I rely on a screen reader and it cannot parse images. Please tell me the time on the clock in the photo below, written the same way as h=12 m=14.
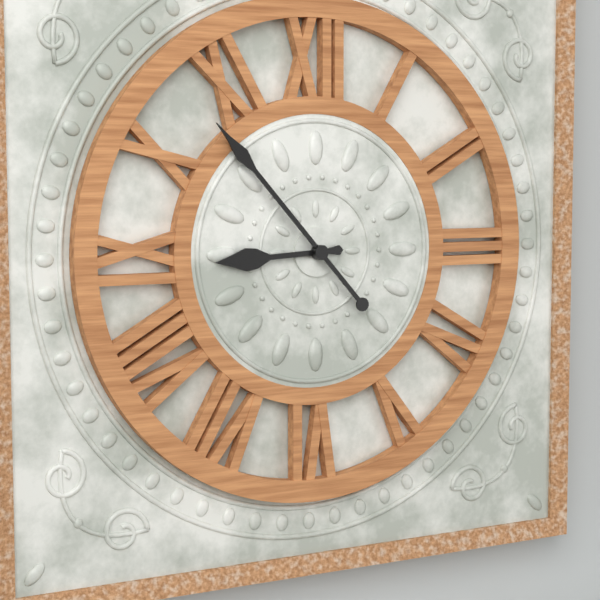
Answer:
h=8 m=53
